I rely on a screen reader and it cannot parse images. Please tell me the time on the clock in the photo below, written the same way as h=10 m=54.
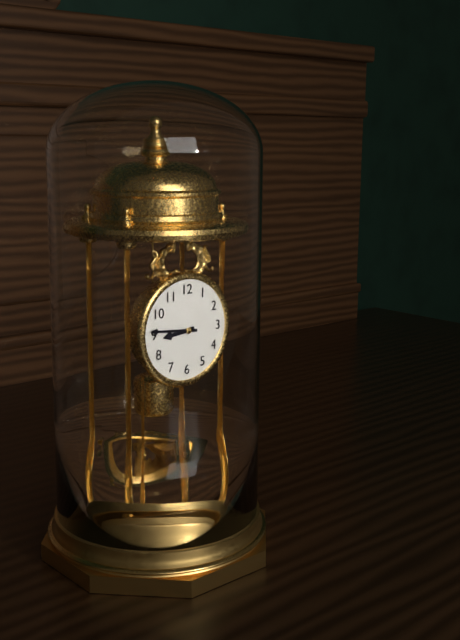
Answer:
h=8 m=46
